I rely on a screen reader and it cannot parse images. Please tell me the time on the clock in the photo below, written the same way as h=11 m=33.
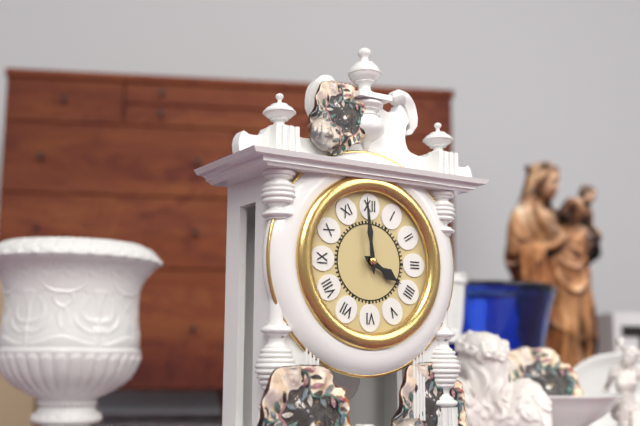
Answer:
h=3 m=59
